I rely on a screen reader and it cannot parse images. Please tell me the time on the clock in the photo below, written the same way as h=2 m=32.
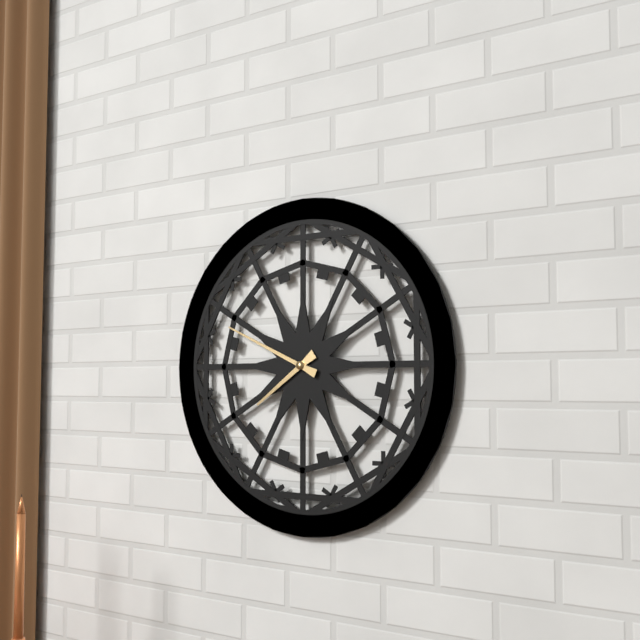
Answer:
h=7 m=49
